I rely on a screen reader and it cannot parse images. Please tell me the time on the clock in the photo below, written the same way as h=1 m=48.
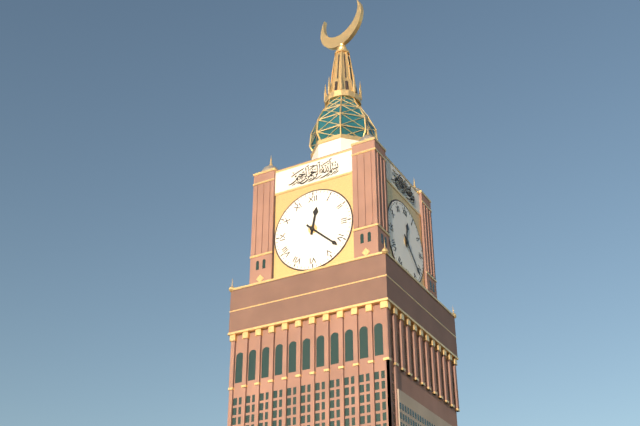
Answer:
h=12 m=22
